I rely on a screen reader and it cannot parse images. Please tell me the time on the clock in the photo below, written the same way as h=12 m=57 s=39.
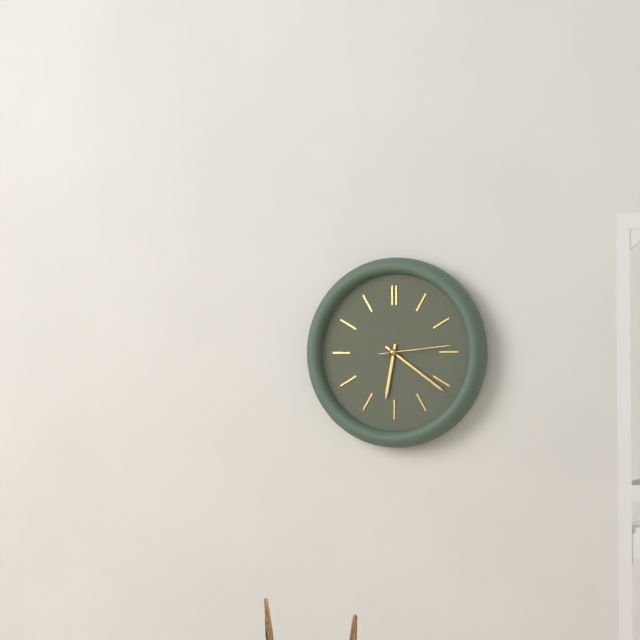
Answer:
h=6 m=21 s=14
